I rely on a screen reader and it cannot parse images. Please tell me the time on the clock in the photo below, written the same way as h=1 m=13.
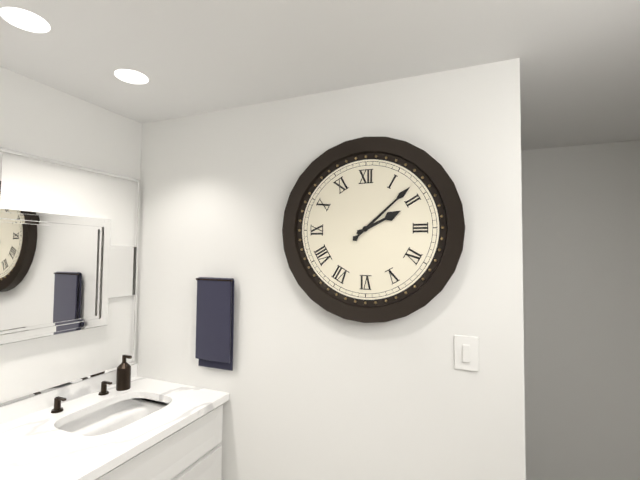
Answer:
h=2 m=8
